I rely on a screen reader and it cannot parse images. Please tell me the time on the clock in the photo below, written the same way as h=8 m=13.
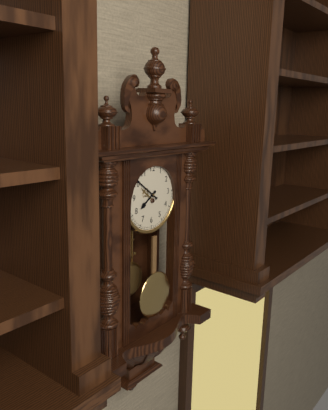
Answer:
h=7 m=51
